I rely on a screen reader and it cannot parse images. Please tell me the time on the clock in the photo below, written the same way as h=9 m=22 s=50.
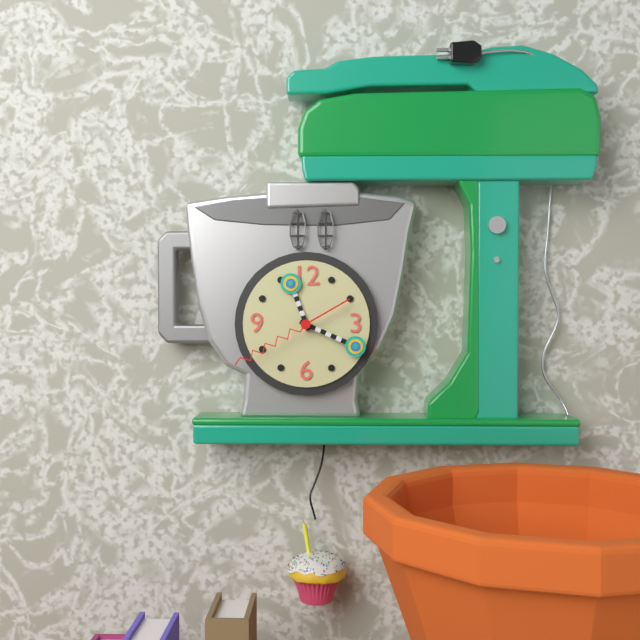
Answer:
h=11 m=19 s=40
